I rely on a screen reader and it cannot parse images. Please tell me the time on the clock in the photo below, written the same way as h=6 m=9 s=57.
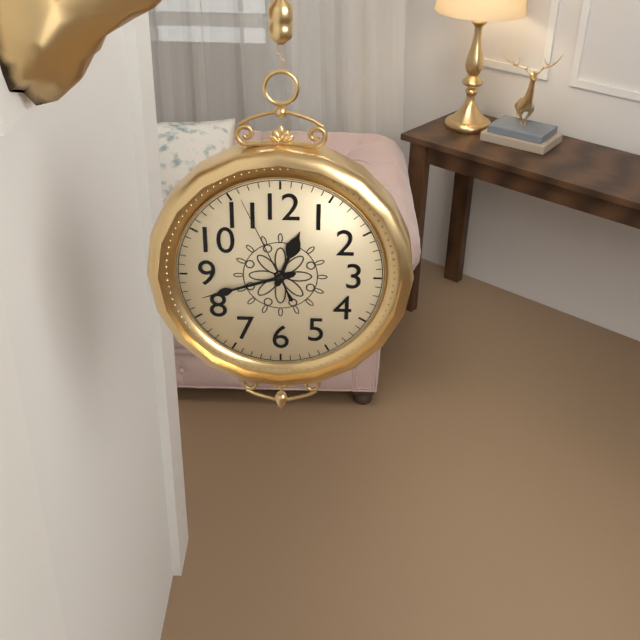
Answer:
h=12 m=42 s=56
